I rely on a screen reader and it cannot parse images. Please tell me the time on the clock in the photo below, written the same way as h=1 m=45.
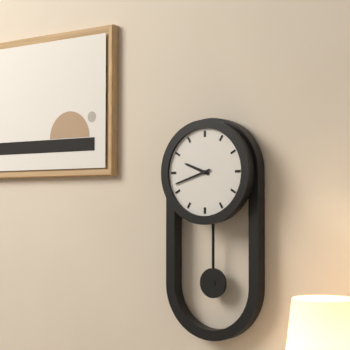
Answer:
h=9 m=42
